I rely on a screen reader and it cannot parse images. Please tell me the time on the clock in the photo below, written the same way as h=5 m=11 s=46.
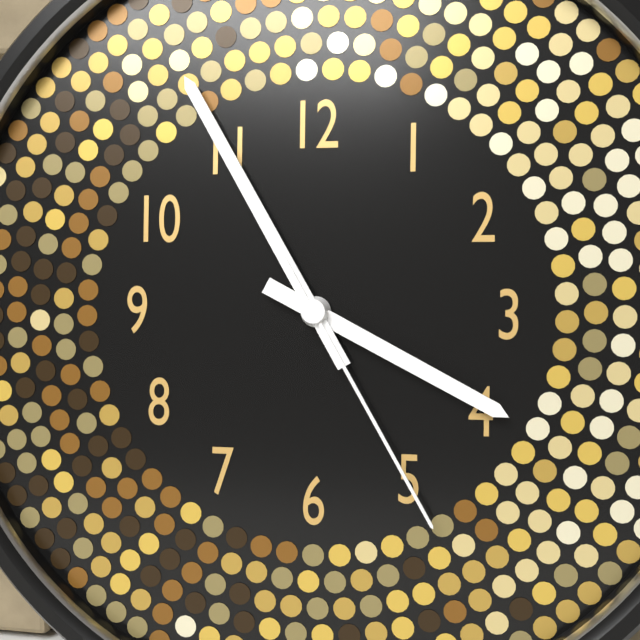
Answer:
h=3 m=55 s=25
